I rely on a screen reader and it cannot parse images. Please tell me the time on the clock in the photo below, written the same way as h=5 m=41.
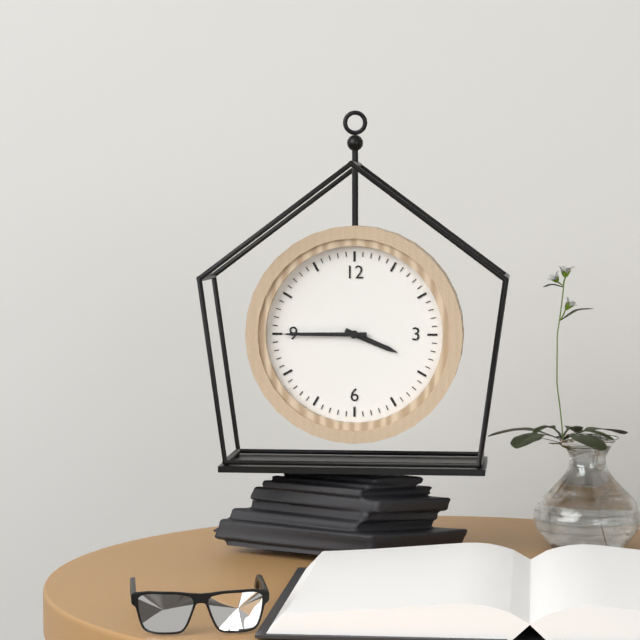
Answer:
h=3 m=45
